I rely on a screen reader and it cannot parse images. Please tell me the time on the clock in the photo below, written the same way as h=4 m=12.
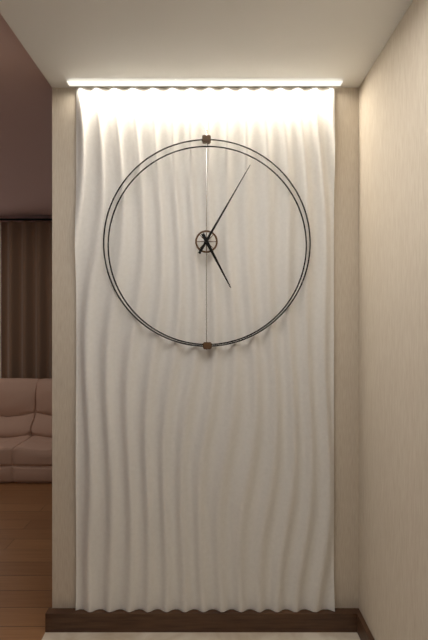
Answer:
h=5 m=5
